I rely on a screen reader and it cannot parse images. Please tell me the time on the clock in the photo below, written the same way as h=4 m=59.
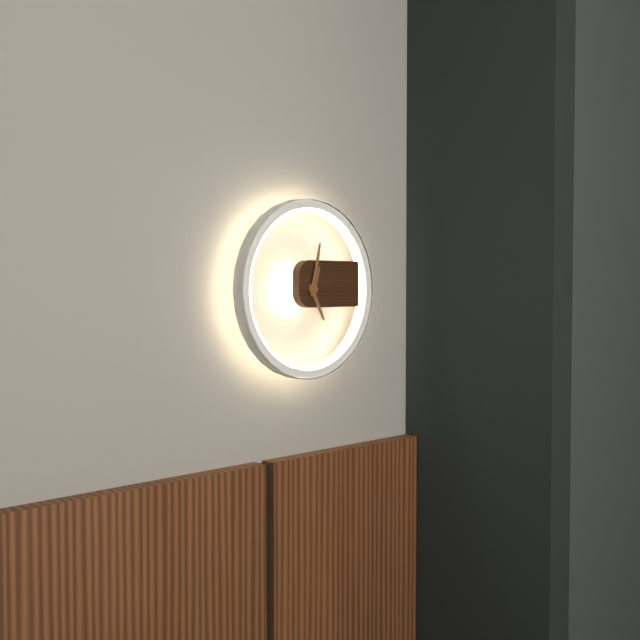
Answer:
h=5 m=2
